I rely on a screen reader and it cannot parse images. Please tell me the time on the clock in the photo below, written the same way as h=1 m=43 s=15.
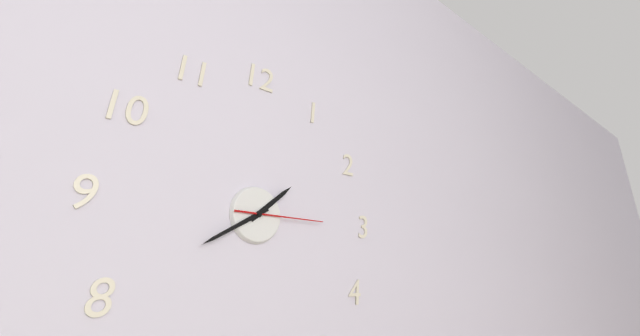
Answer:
h=1 m=40 s=15
